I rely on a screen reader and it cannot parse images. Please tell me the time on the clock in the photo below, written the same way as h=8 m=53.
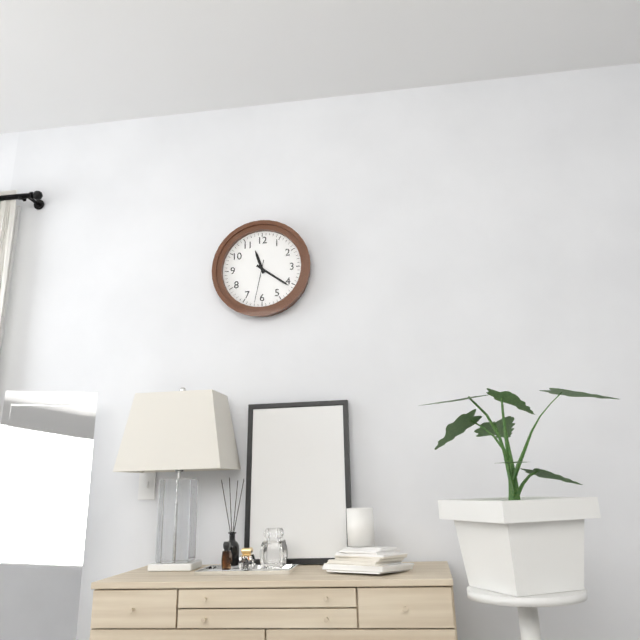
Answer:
h=11 m=21
